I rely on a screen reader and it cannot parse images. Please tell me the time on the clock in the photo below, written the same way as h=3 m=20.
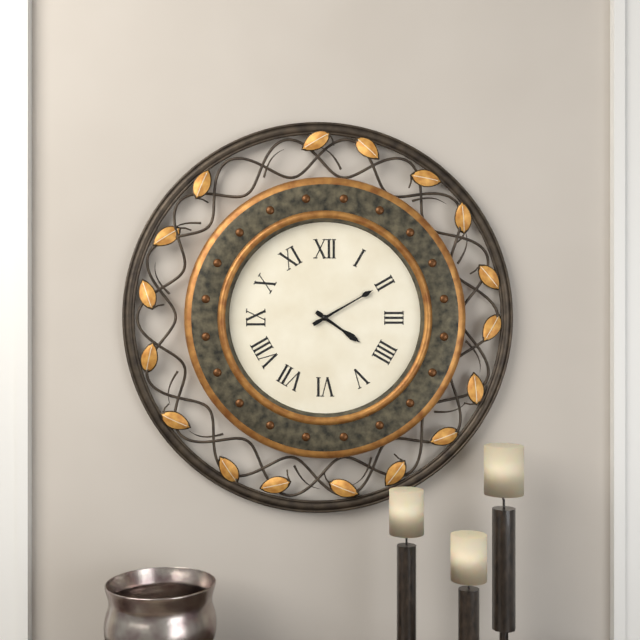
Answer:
h=4 m=10
